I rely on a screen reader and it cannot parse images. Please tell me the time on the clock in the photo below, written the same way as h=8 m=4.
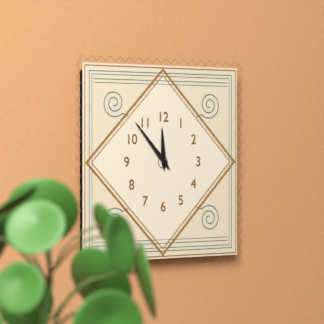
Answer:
h=11 m=53
